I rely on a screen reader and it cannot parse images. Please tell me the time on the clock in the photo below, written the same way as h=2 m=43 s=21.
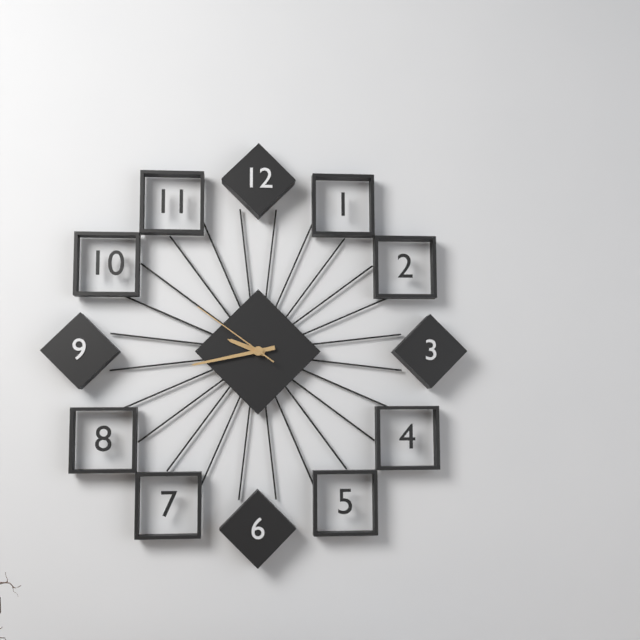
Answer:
h=9 m=43 s=51
